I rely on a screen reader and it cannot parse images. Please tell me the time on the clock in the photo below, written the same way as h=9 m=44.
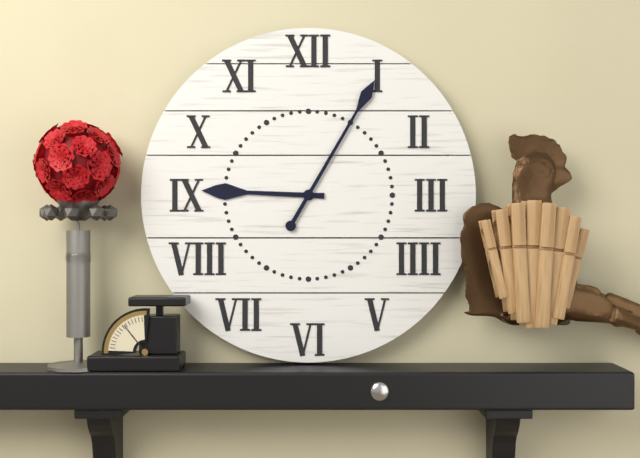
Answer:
h=9 m=5
